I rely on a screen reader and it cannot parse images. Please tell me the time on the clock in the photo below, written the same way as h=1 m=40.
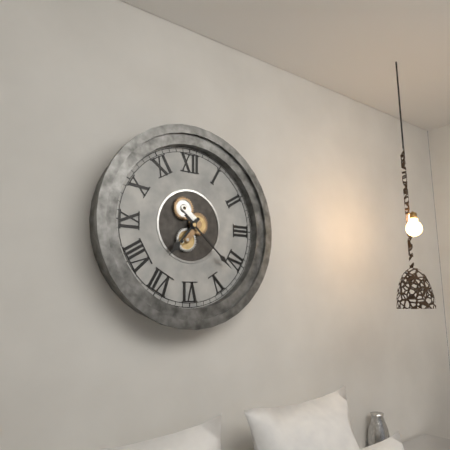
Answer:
h=7 m=22
